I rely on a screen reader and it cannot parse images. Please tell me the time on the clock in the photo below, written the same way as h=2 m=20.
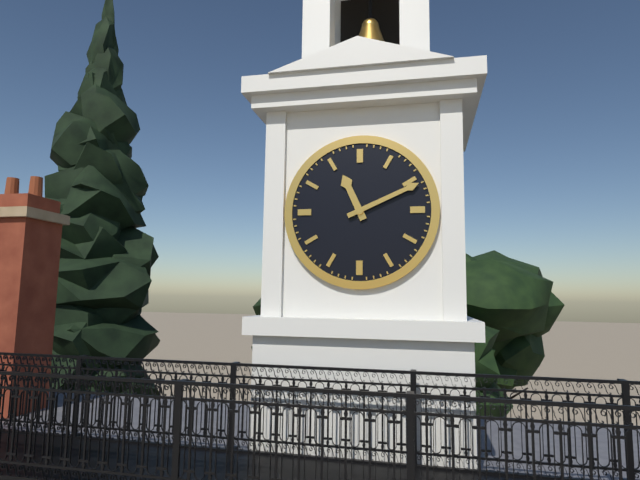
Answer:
h=11 m=11
